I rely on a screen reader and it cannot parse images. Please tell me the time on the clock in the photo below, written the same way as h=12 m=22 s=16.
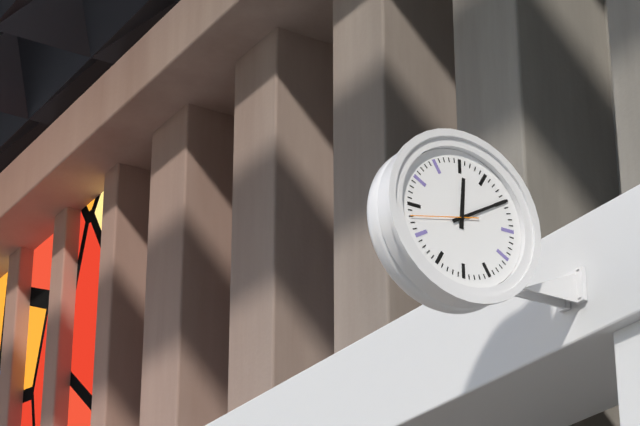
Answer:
h=12 m=10 s=43
